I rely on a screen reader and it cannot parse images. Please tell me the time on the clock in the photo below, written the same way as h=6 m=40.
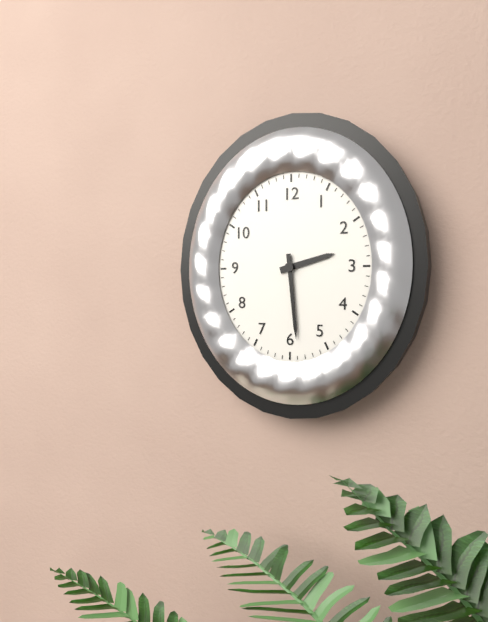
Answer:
h=2 m=29
